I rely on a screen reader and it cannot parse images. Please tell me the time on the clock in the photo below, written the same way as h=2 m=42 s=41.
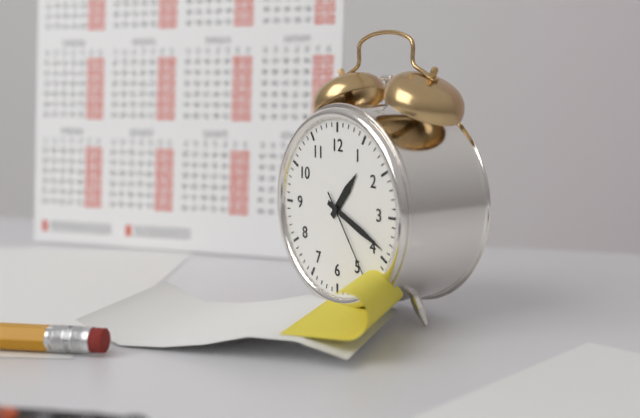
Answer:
h=1 m=19 s=24
